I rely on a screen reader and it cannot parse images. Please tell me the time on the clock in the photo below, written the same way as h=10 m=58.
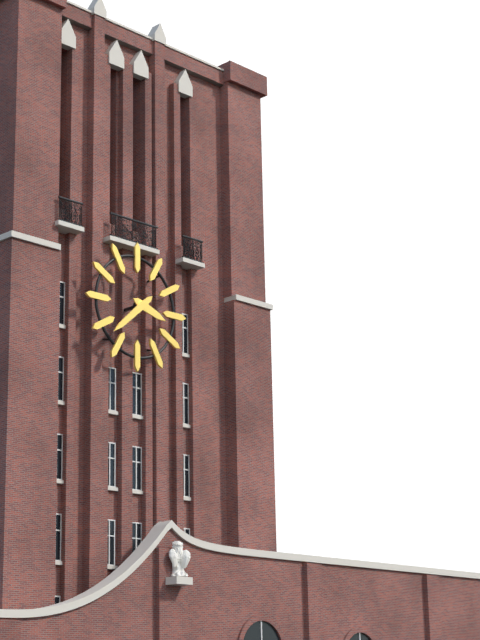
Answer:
h=3 m=38
